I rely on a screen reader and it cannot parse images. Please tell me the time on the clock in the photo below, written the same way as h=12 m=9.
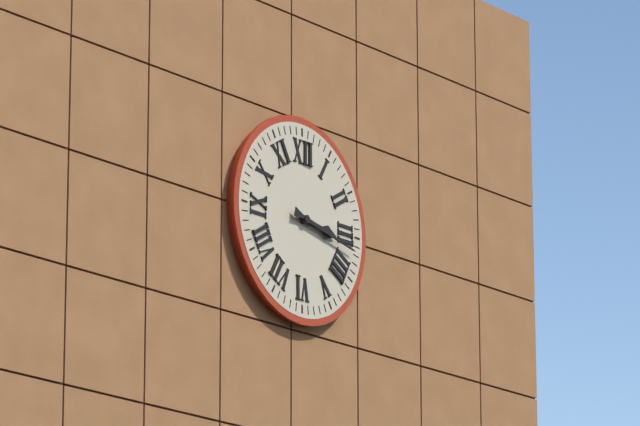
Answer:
h=3 m=17
